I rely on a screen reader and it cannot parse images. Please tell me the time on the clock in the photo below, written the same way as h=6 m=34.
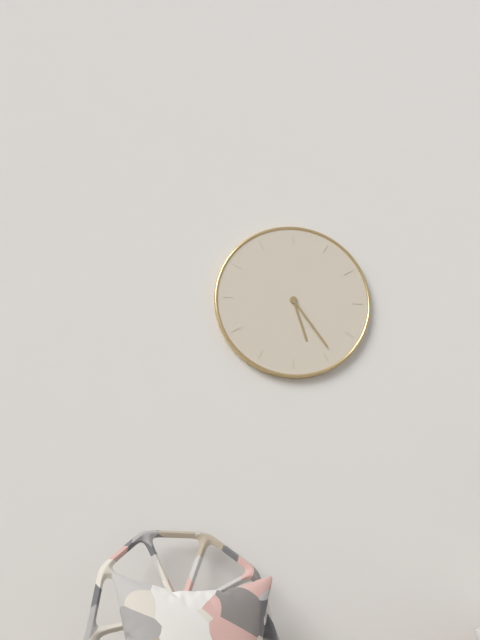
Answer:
h=5 m=24
